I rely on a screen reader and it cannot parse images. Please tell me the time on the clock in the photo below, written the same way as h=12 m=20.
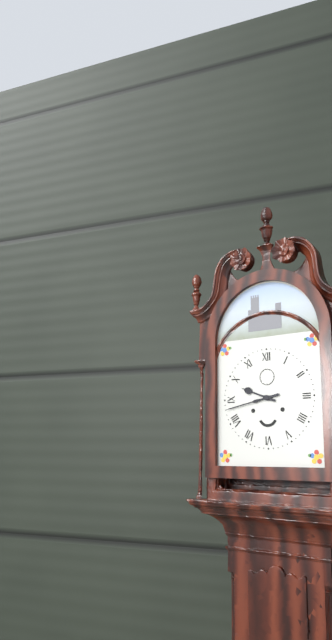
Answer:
h=9 m=43
